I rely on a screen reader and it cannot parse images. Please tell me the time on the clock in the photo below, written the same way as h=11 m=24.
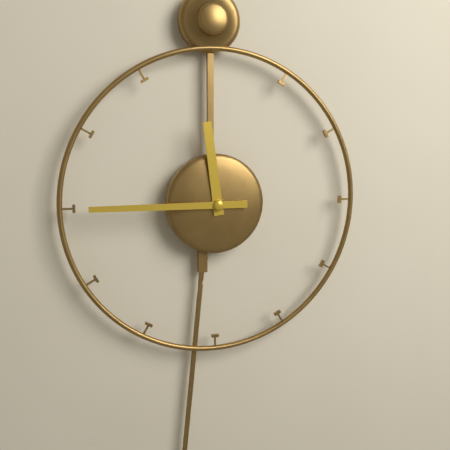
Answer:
h=11 m=45
